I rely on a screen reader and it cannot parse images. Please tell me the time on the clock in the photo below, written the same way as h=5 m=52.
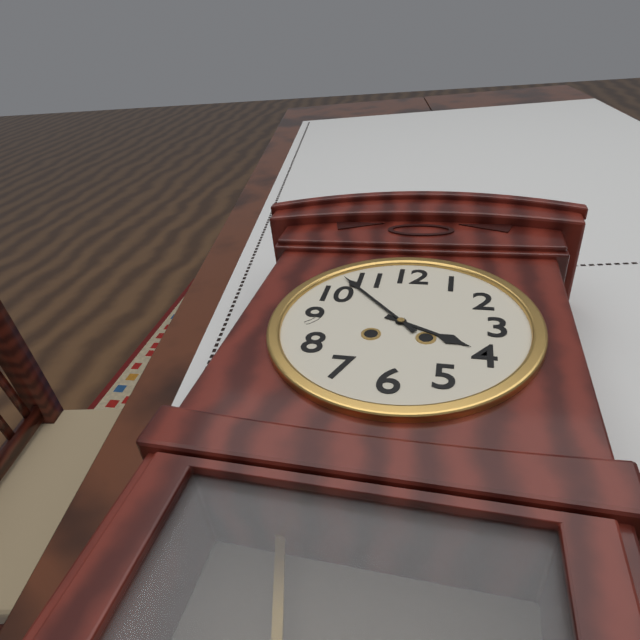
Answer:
h=3 m=53
